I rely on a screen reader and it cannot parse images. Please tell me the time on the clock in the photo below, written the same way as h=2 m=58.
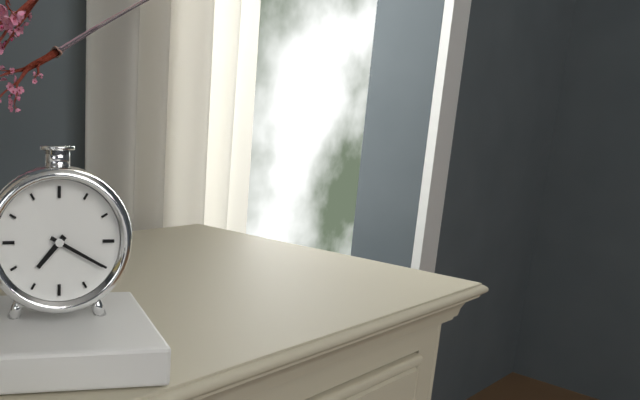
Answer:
h=7 m=20
